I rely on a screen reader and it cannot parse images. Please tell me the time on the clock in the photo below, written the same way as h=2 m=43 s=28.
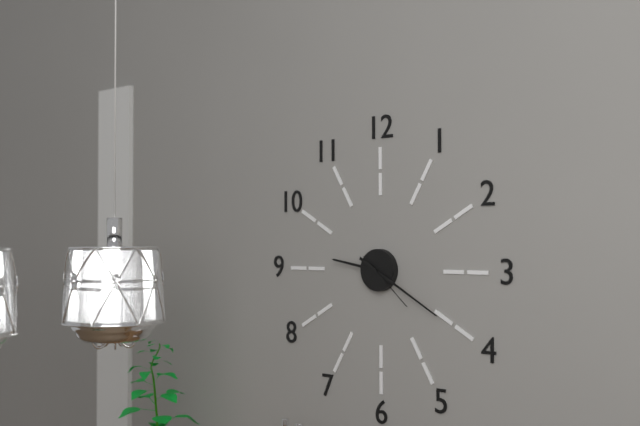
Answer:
h=9 m=20 s=22
